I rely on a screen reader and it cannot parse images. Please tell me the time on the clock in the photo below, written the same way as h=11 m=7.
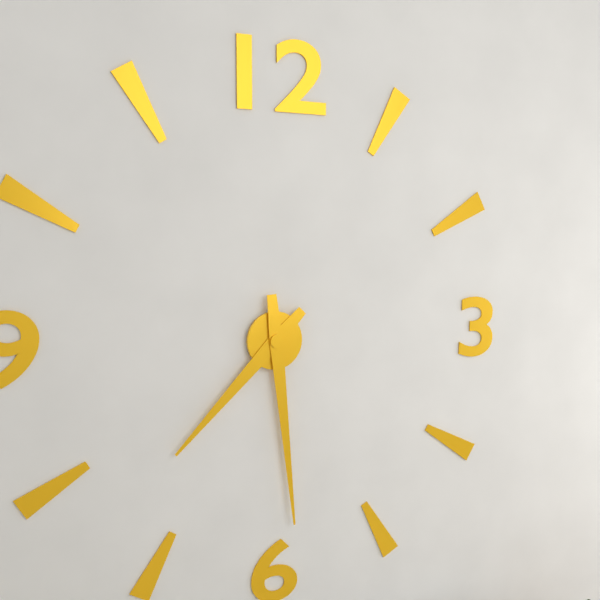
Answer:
h=7 m=29
